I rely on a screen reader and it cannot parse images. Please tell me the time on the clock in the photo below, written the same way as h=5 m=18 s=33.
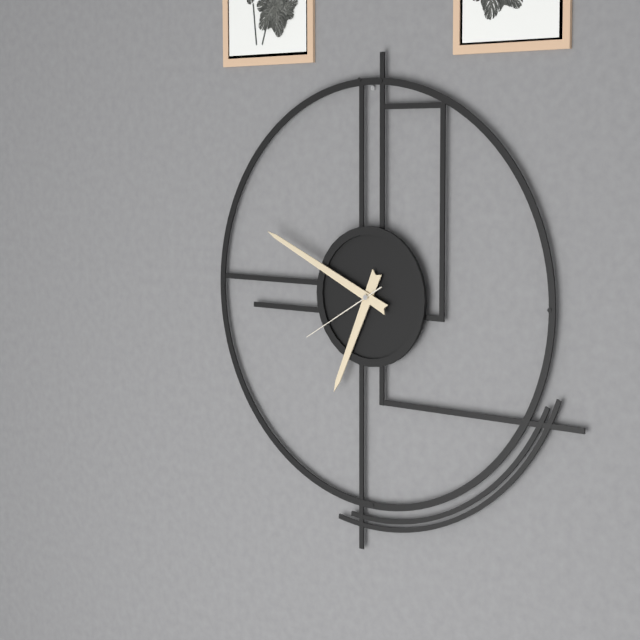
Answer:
h=6 m=49 s=40
